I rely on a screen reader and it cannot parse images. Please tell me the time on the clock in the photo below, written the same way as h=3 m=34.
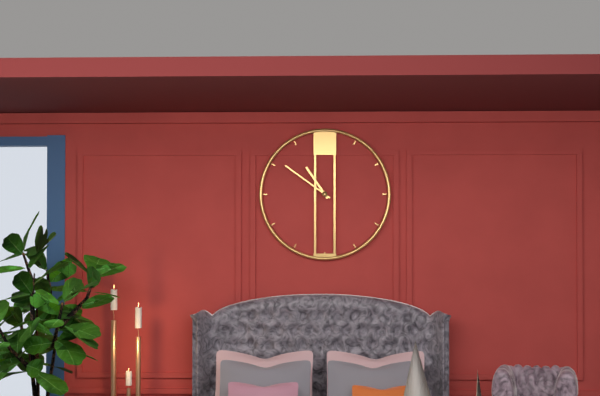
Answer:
h=10 m=51
